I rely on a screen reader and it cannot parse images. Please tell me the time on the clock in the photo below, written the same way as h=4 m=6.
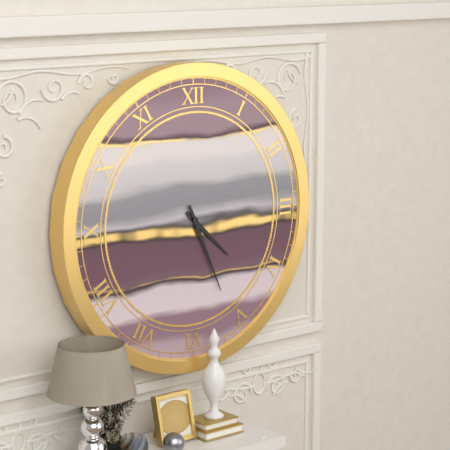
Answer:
h=4 m=26
